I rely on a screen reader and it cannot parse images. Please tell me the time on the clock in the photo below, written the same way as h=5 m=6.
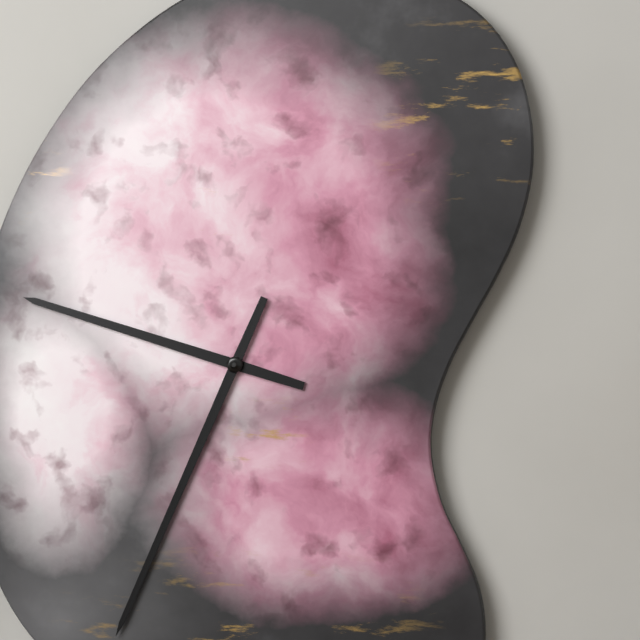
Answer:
h=9 m=34
